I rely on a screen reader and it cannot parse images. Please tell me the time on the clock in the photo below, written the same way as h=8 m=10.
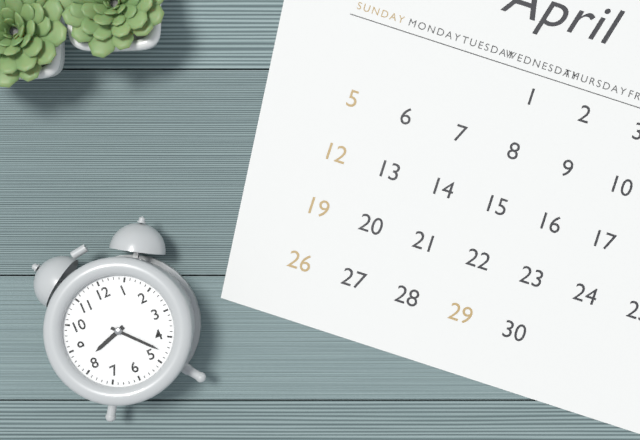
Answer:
h=8 m=23
